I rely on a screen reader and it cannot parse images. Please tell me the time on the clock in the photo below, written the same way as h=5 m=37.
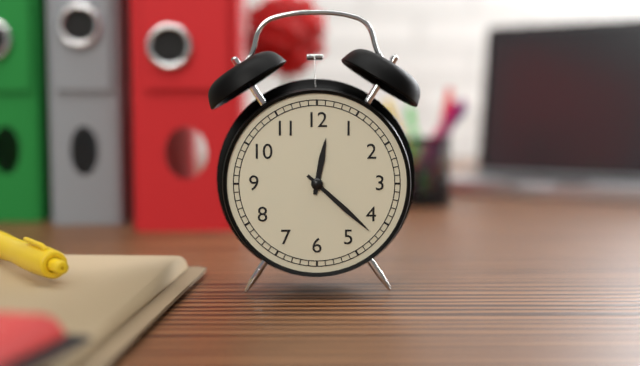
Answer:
h=12 m=22
